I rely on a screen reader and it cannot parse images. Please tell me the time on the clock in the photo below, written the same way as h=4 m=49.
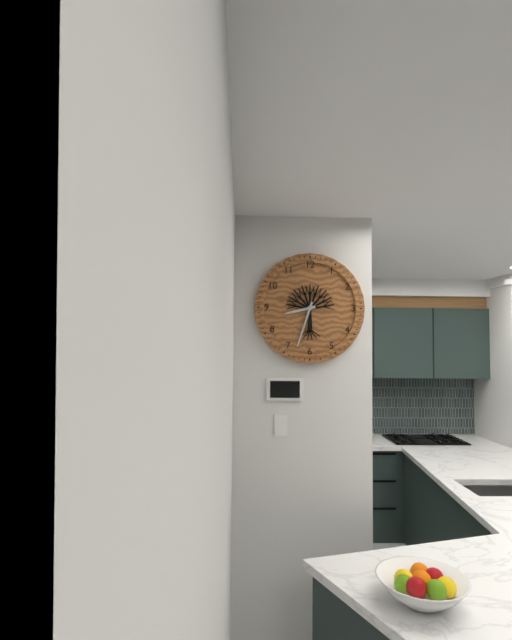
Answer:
h=8 m=33
